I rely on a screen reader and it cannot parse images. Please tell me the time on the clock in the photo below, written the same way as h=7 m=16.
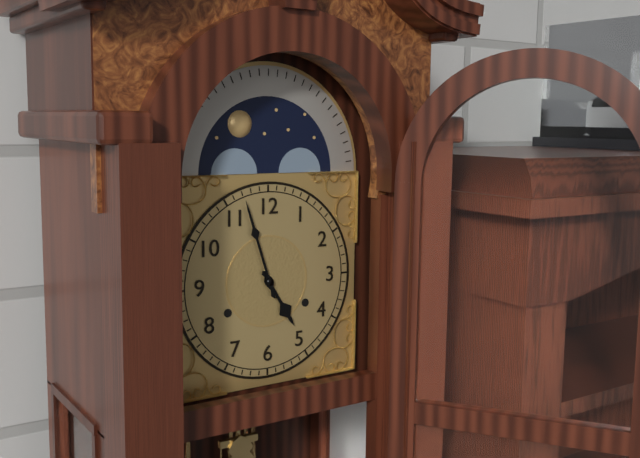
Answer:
h=4 m=57
